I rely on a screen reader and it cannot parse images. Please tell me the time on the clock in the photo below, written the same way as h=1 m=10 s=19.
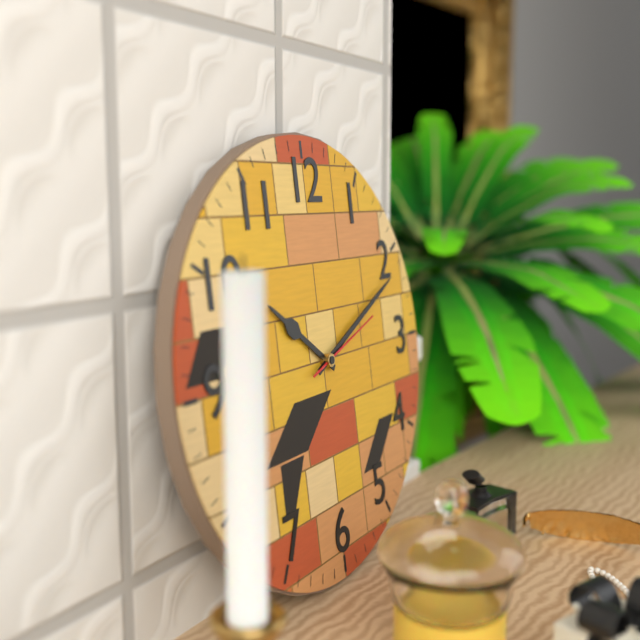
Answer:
h=10 m=11 s=12
